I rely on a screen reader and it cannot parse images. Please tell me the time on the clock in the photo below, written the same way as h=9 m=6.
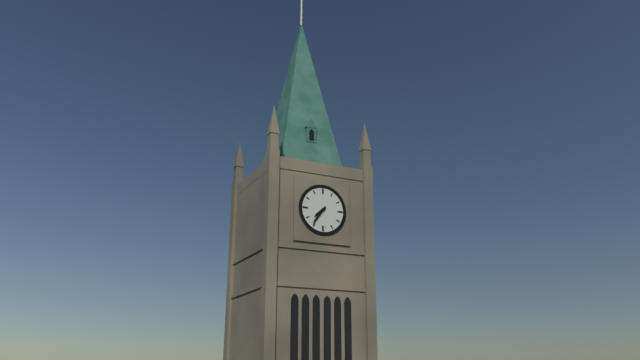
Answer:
h=7 m=36
